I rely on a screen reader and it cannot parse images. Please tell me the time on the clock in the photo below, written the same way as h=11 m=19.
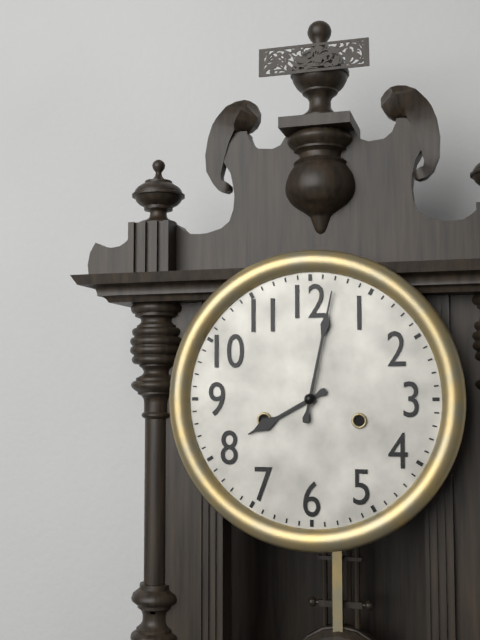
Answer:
h=8 m=2
